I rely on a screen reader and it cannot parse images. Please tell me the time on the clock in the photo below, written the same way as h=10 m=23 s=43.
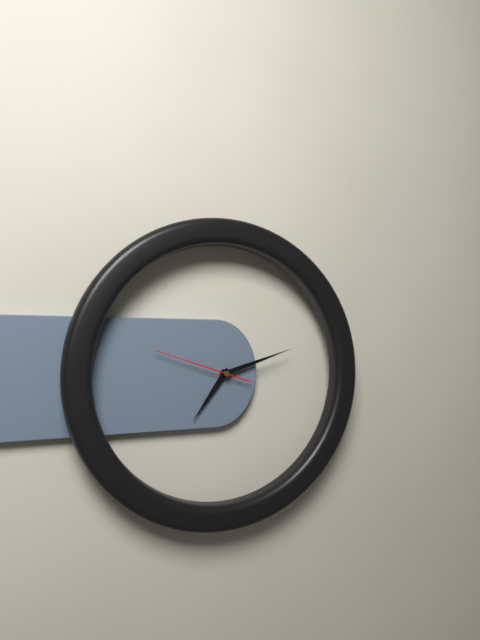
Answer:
h=7 m=12 s=48
